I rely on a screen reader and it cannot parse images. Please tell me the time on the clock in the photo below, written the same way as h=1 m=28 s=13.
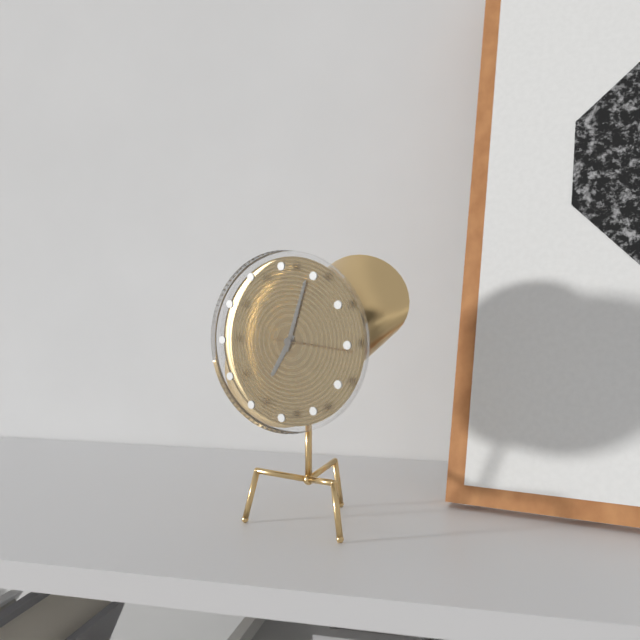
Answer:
h=7 m=3 s=16
